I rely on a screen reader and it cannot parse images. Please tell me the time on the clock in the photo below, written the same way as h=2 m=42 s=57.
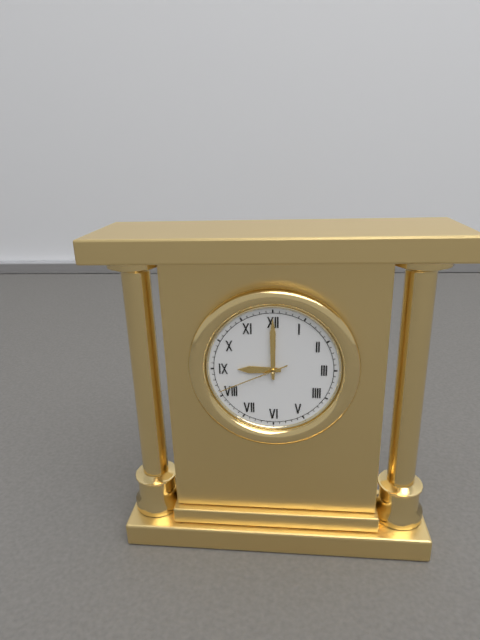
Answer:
h=9 m=0 s=41
